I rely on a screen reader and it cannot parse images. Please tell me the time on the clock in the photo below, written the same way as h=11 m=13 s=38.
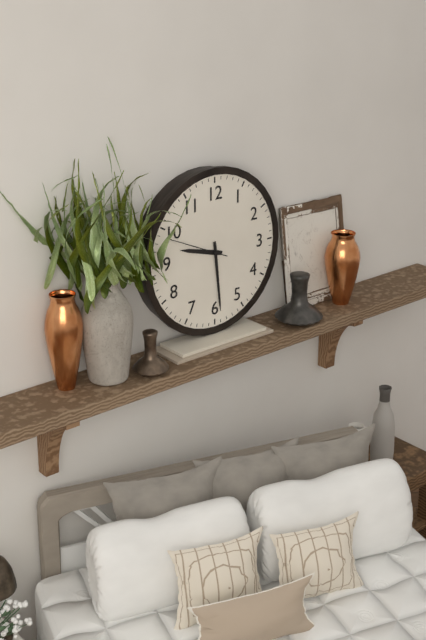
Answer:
h=9 m=29 s=49
